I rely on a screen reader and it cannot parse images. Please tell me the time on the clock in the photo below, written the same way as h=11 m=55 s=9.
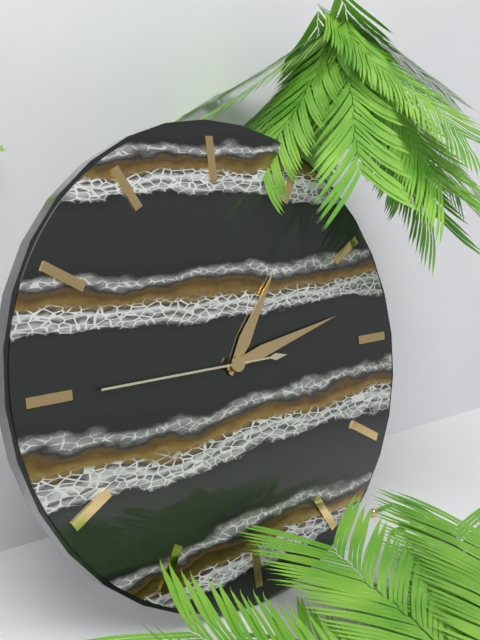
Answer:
h=1 m=13 s=45
